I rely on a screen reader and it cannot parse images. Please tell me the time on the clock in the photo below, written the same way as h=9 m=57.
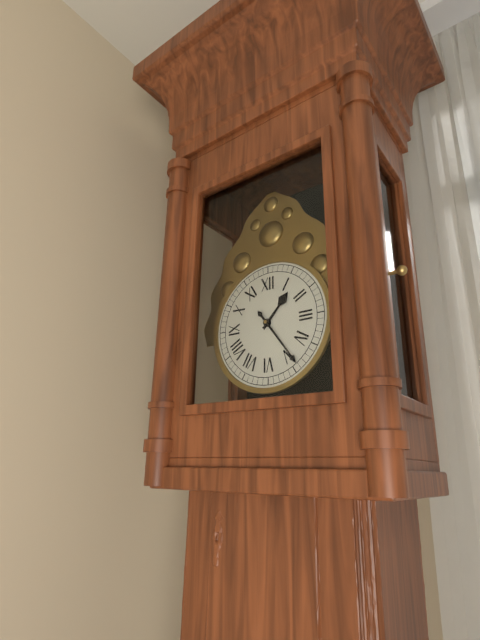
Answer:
h=1 m=24
